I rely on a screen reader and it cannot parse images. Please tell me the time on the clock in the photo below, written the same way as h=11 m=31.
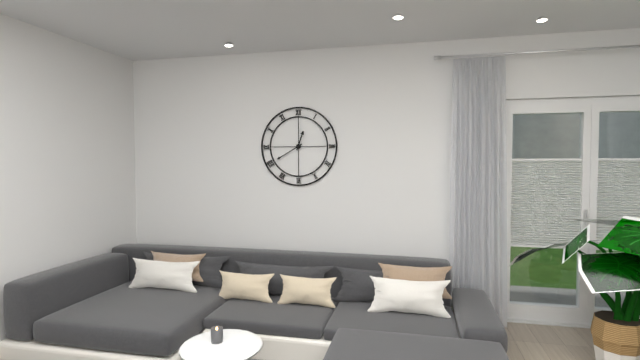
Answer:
h=12 m=40
